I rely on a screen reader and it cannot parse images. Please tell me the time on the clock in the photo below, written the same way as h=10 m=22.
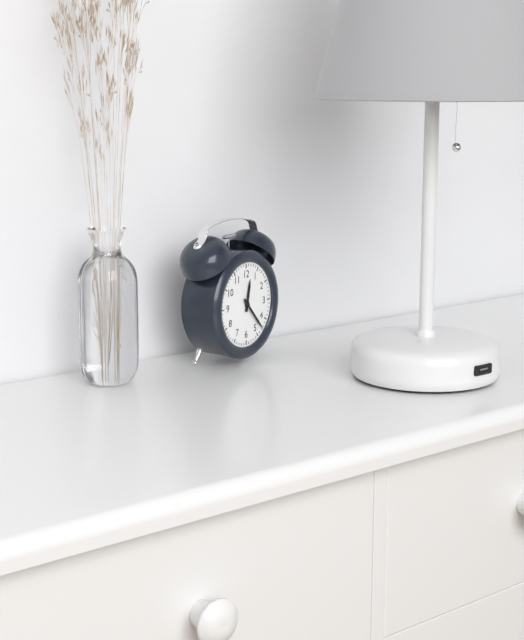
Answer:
h=12 m=23
